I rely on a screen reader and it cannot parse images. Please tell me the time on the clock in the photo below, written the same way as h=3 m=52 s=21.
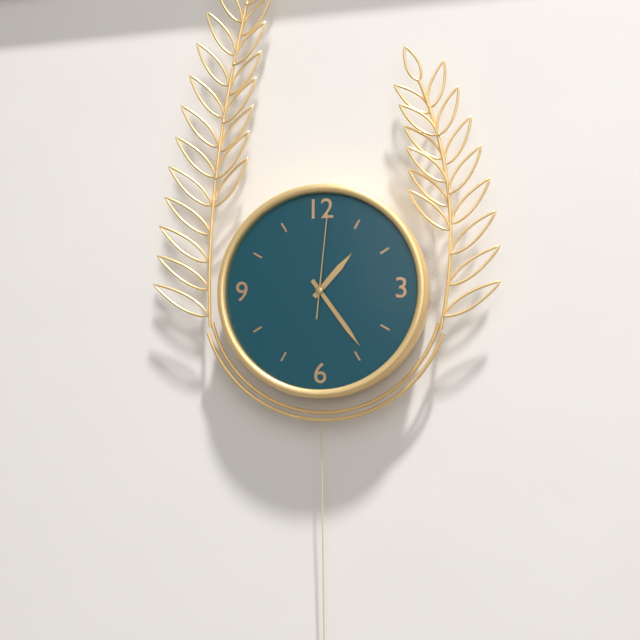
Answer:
h=1 m=24 s=1
